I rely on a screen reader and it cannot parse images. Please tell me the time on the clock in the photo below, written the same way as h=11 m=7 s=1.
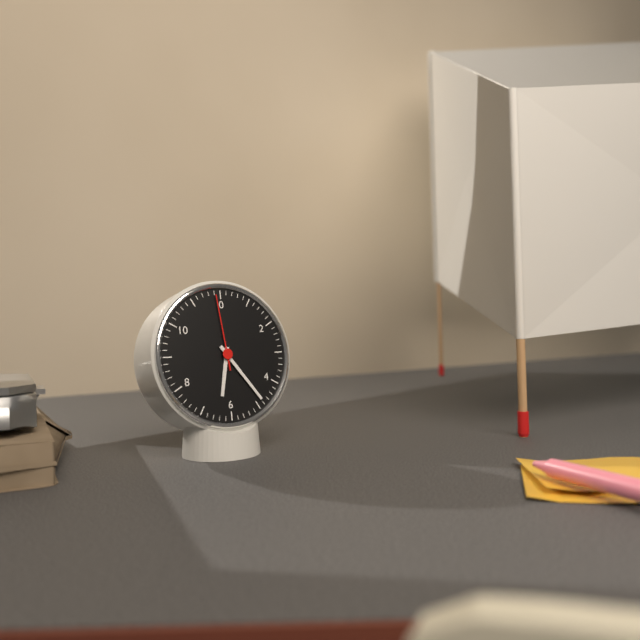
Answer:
h=6 m=24 s=59
